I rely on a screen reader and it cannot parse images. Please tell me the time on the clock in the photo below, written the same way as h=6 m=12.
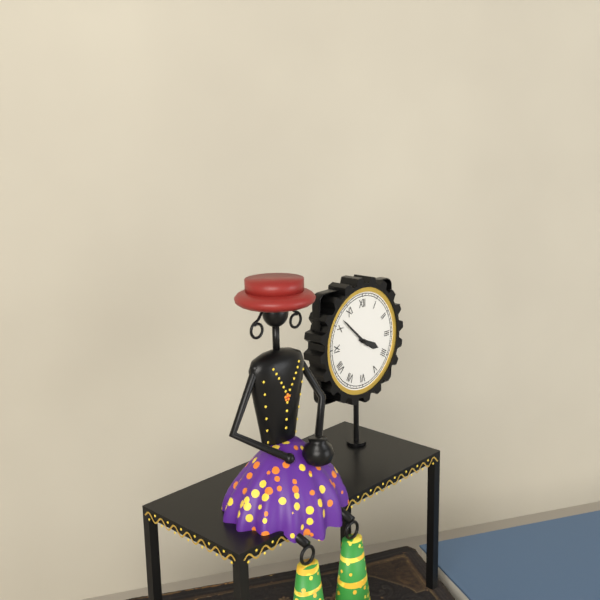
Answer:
h=3 m=52
